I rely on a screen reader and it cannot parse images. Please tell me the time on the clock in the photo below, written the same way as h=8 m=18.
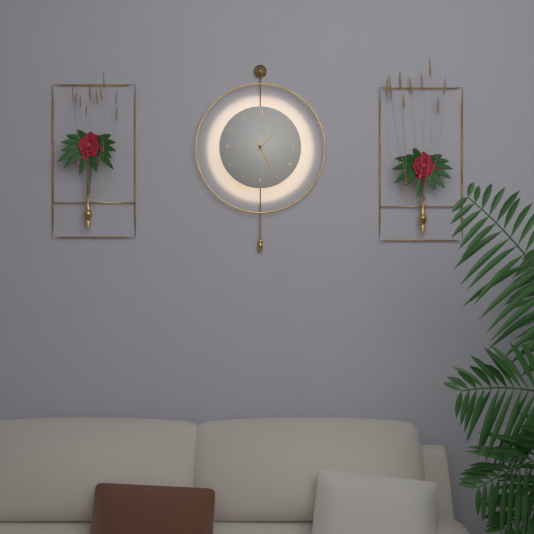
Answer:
h=1 m=25
